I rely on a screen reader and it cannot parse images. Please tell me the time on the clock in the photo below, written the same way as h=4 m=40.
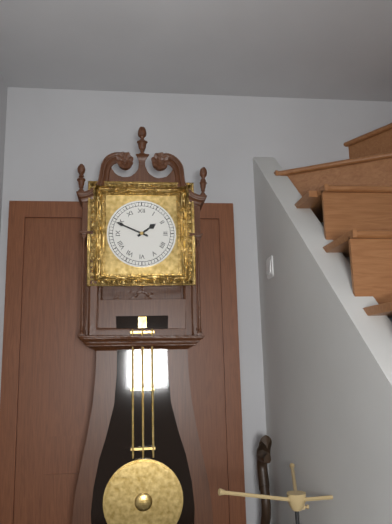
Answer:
h=1 m=49
